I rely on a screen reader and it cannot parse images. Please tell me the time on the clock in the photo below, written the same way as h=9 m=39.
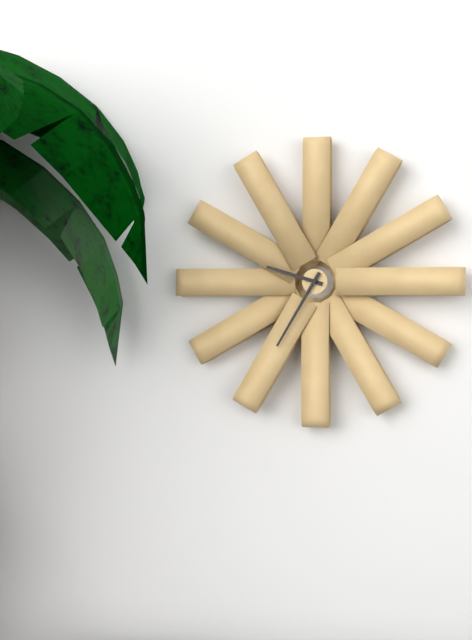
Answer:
h=9 m=35
